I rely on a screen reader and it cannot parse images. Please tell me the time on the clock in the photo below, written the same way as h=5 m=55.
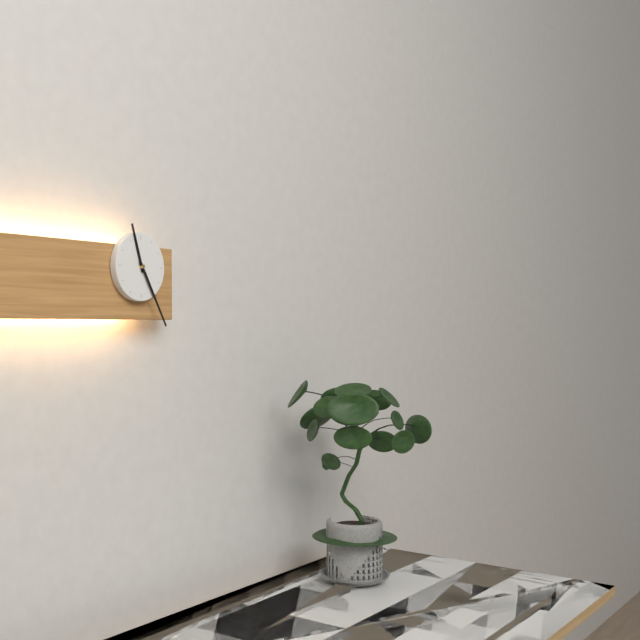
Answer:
h=11 m=25
